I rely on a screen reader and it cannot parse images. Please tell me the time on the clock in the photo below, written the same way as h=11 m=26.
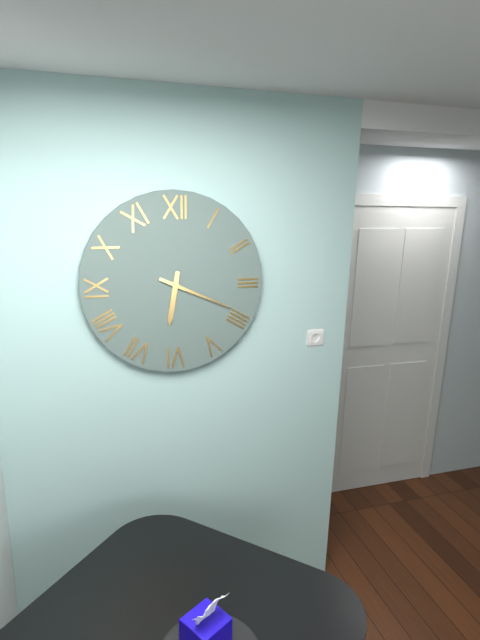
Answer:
h=6 m=19
